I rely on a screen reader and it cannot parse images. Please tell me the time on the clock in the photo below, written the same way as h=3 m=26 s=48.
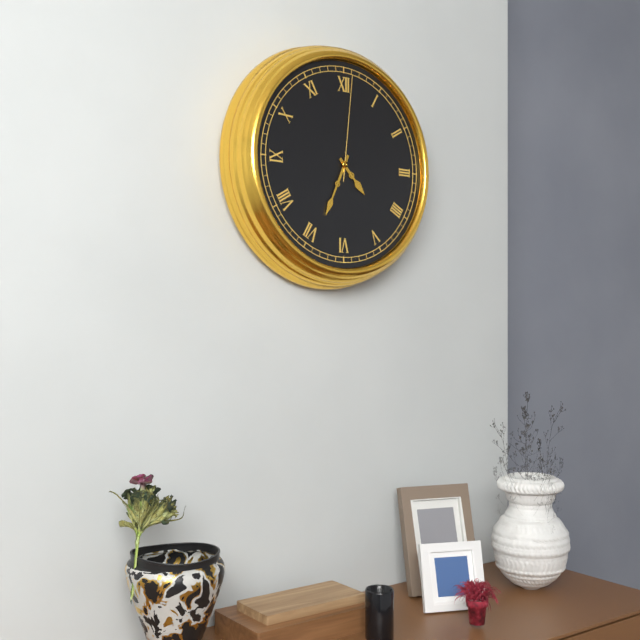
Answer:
h=4 m=34 s=1
